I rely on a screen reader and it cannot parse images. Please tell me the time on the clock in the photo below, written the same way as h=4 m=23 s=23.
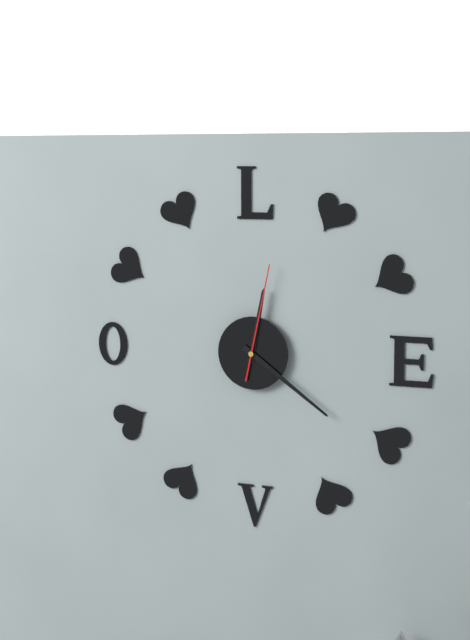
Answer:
h=12 m=21 s=2
